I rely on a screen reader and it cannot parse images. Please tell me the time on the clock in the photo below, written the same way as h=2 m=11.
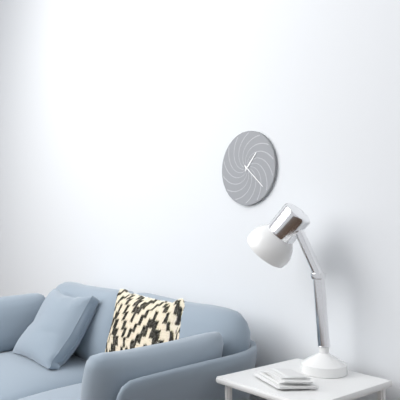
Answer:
h=1 m=22
